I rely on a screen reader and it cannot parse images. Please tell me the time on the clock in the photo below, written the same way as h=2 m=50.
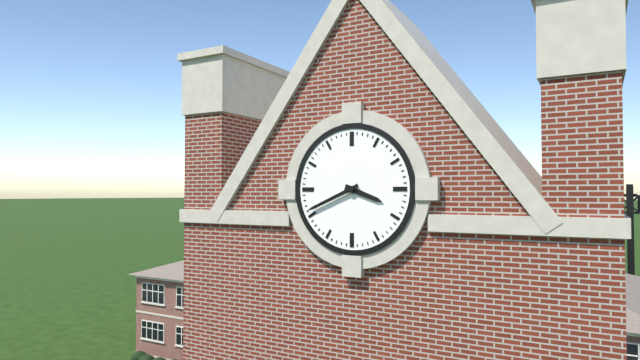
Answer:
h=3 m=41
